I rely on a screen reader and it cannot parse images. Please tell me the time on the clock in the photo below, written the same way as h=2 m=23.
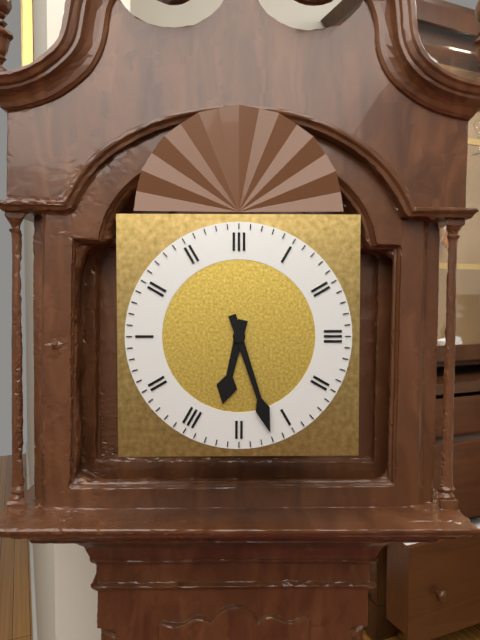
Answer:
h=6 m=27
